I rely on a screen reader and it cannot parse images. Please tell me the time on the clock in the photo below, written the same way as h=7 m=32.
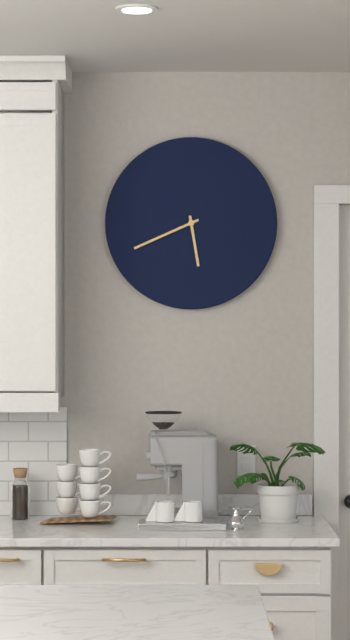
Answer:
h=5 m=41
